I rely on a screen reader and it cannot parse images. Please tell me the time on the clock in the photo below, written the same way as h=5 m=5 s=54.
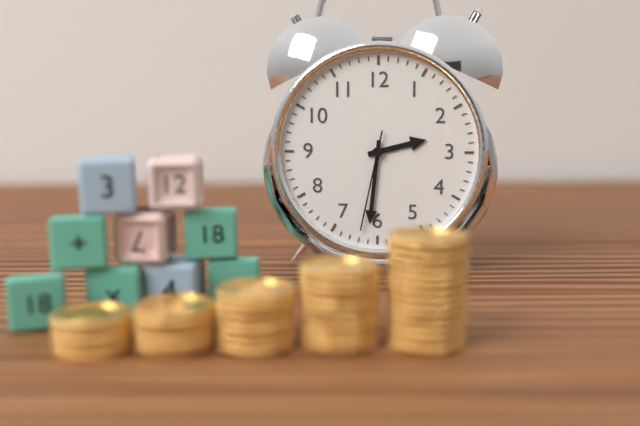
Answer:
h=2 m=31 s=32
